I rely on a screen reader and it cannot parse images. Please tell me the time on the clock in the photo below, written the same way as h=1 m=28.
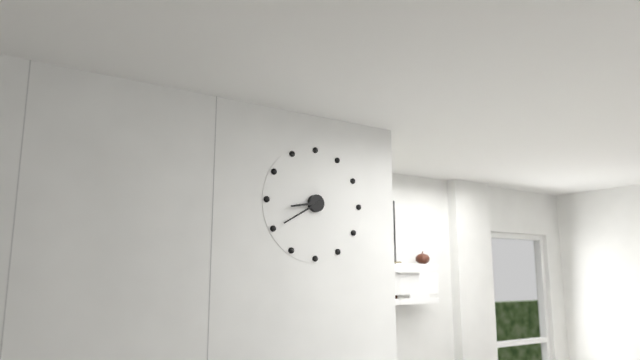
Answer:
h=8 m=40
